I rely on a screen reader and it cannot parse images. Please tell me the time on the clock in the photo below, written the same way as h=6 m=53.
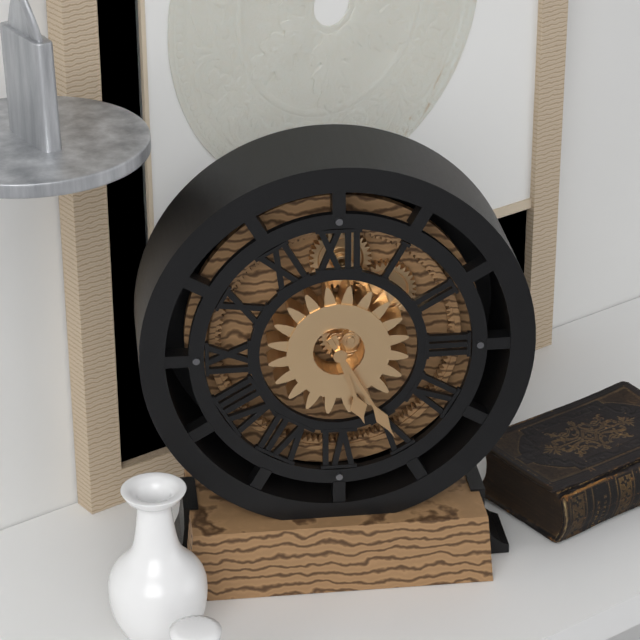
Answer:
h=5 m=25
